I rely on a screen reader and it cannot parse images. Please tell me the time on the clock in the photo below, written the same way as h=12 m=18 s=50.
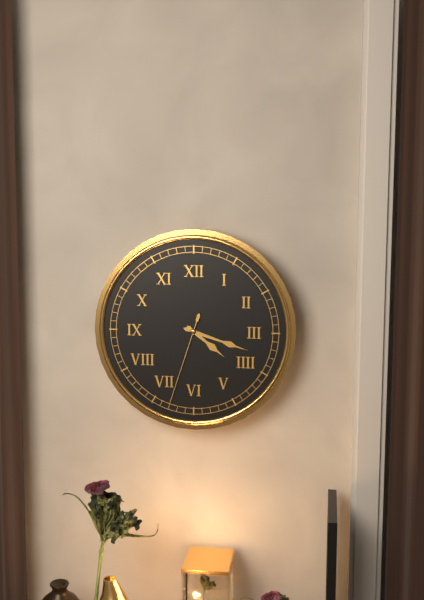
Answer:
h=4 m=18 s=33
